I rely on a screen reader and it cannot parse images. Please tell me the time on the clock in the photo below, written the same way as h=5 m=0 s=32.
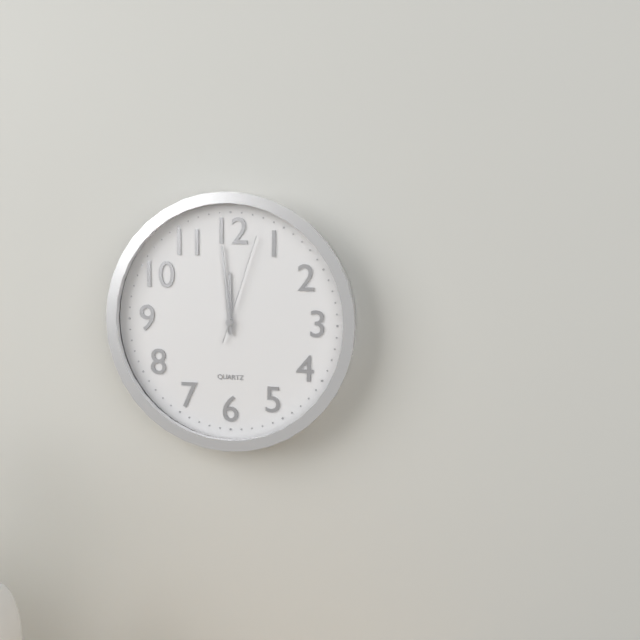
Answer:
h=11 m=59 s=3
